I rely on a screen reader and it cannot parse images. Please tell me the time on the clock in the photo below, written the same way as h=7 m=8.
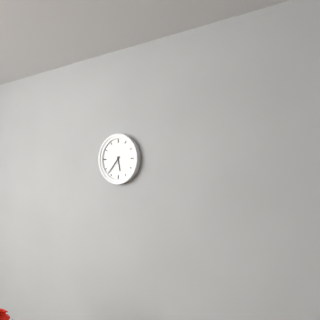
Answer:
h=5 m=37
